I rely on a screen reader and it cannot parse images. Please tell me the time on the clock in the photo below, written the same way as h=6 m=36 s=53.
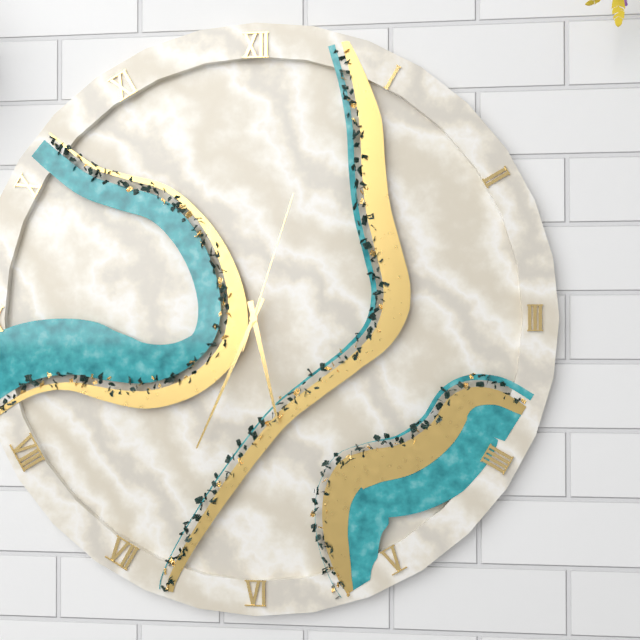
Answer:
h=5 m=34 s=3
